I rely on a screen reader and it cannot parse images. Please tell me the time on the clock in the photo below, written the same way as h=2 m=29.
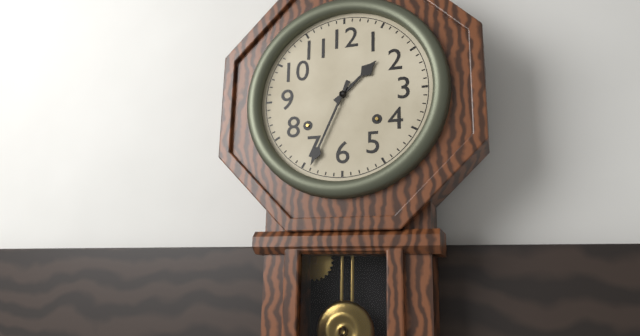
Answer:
h=1 m=34
